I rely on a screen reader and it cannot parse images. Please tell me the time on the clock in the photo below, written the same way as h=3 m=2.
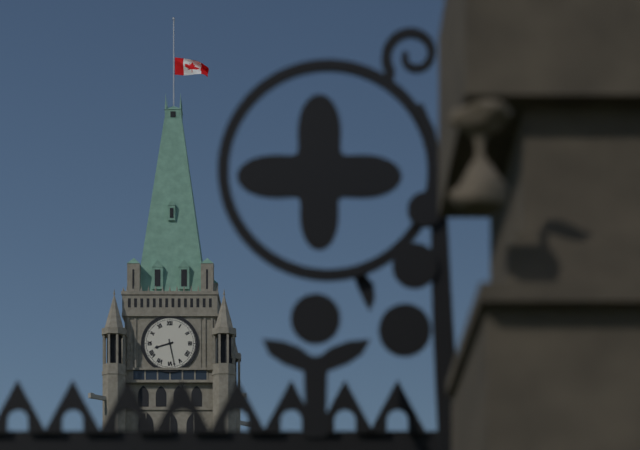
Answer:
h=8 m=28
